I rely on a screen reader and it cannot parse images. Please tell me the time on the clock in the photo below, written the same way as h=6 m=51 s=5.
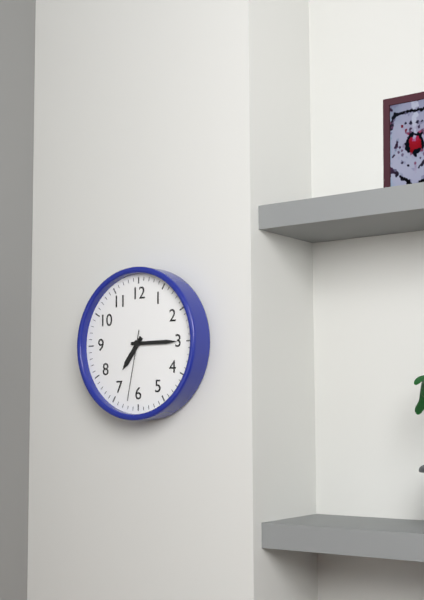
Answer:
h=7 m=15 s=32
